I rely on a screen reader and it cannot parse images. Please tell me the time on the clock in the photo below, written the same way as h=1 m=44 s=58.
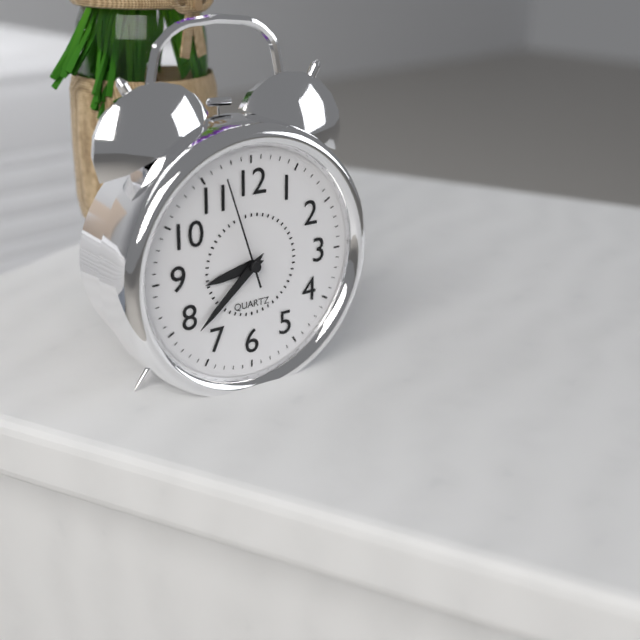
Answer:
h=8 m=38 s=57
